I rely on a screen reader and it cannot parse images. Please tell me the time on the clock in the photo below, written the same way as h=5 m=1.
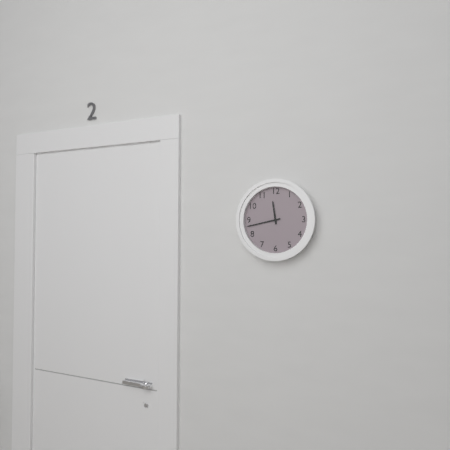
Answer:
h=11 m=43
